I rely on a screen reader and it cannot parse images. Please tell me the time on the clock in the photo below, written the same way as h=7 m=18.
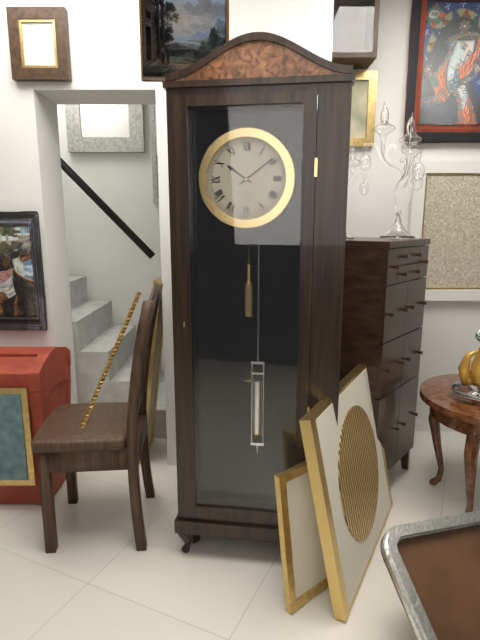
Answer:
h=10 m=9
